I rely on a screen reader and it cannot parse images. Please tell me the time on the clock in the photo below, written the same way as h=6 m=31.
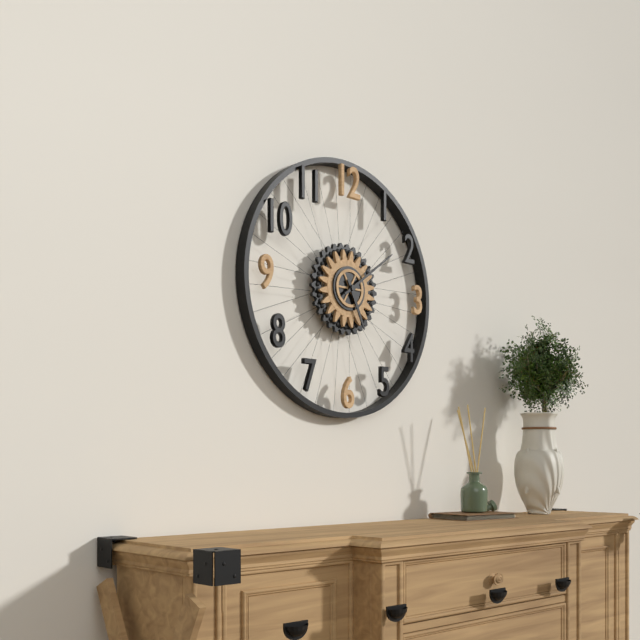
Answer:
h=5 m=9
